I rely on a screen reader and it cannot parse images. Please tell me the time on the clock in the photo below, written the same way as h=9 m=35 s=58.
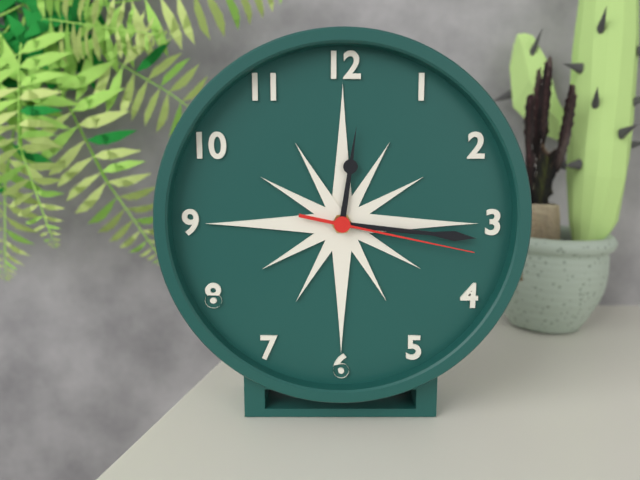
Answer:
h=12 m=16 s=17
